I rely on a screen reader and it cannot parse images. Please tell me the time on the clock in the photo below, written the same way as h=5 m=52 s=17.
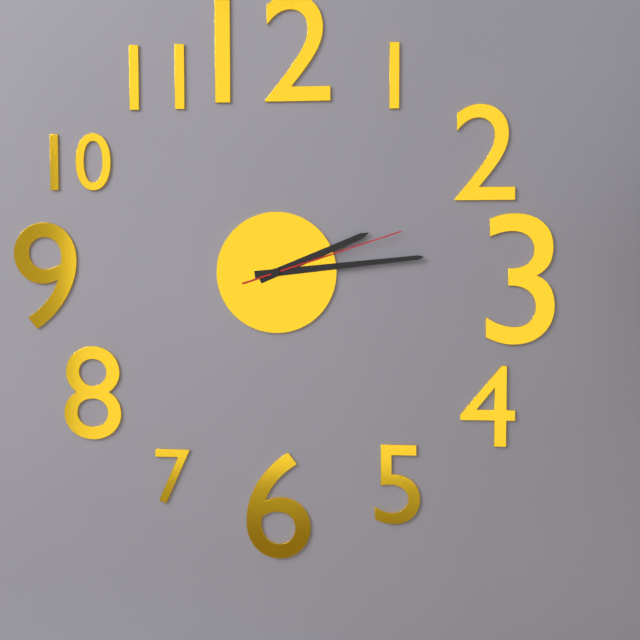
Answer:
h=2 m=14 s=12
